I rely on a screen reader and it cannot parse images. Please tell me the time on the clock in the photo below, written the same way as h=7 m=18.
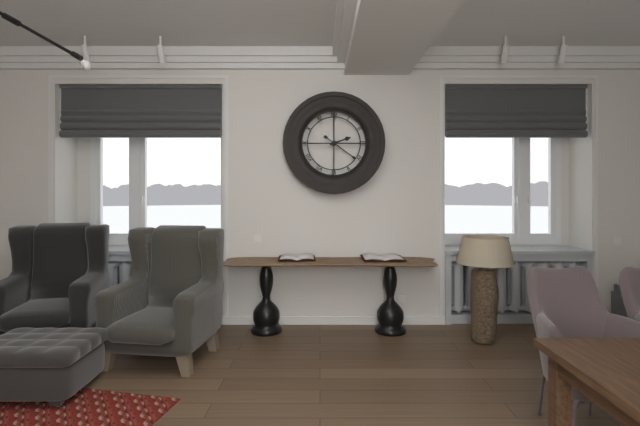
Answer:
h=2 m=21
